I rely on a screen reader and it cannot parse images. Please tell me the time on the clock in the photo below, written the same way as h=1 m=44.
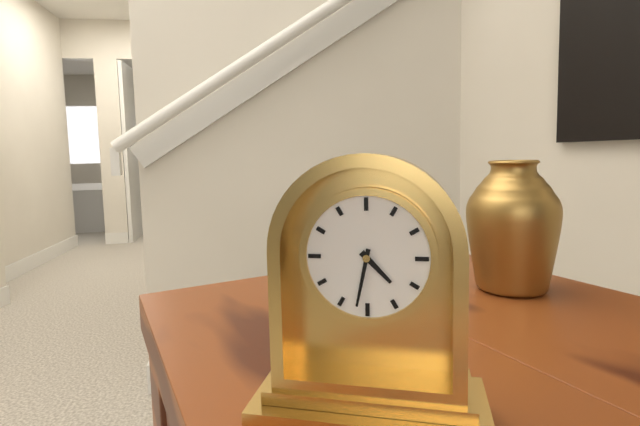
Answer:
h=4 m=32
